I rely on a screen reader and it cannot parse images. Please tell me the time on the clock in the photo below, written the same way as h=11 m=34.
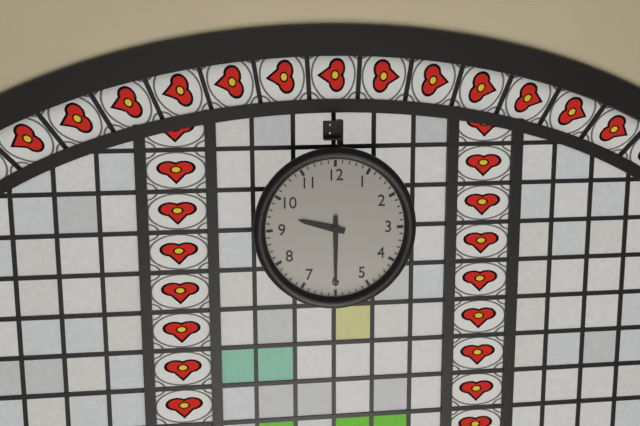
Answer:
h=9 m=30
